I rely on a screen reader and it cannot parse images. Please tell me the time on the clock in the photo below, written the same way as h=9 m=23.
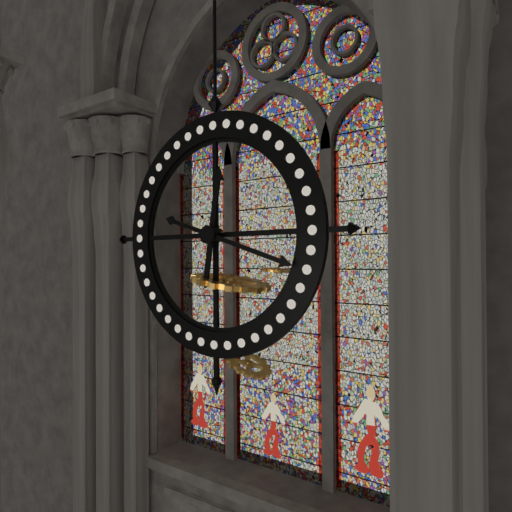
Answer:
h=12 m=18
